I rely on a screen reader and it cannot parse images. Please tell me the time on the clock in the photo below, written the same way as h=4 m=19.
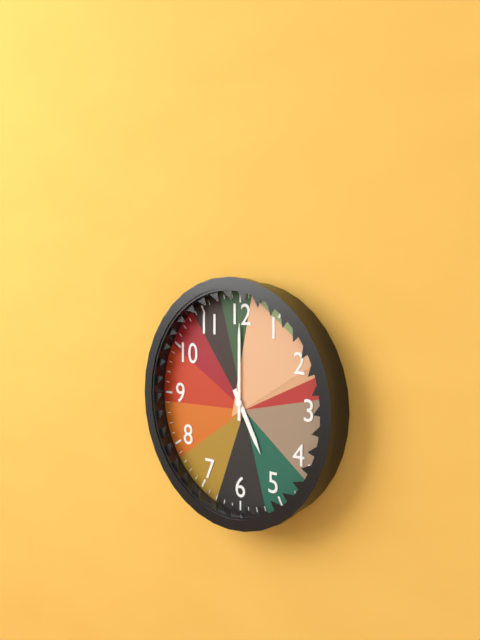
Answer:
h=5 m=0
